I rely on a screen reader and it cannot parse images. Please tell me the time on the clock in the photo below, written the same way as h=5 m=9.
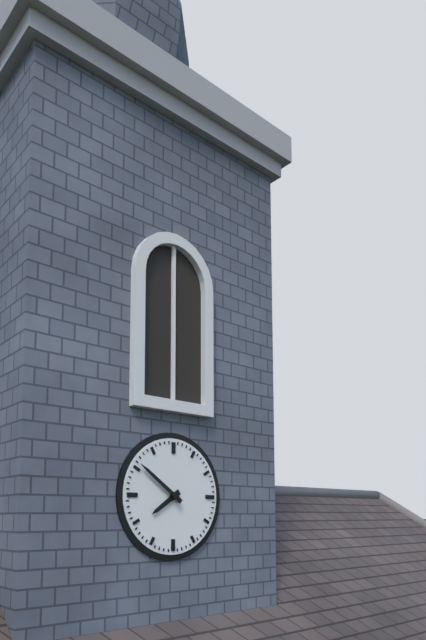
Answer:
h=7 m=51
